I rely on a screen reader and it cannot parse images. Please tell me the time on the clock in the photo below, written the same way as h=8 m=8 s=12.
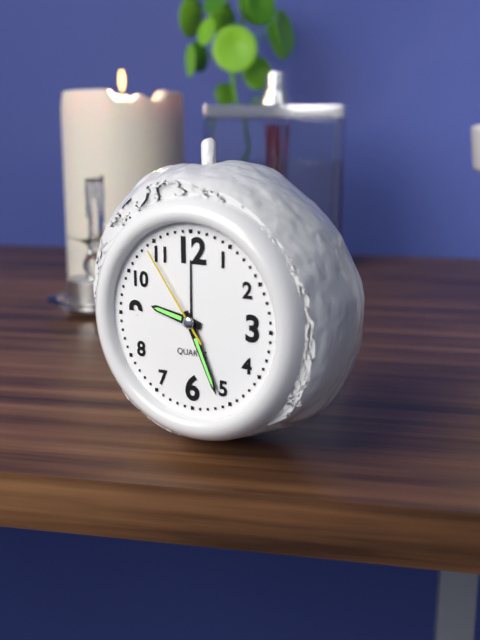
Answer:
h=9 m=26 s=54
